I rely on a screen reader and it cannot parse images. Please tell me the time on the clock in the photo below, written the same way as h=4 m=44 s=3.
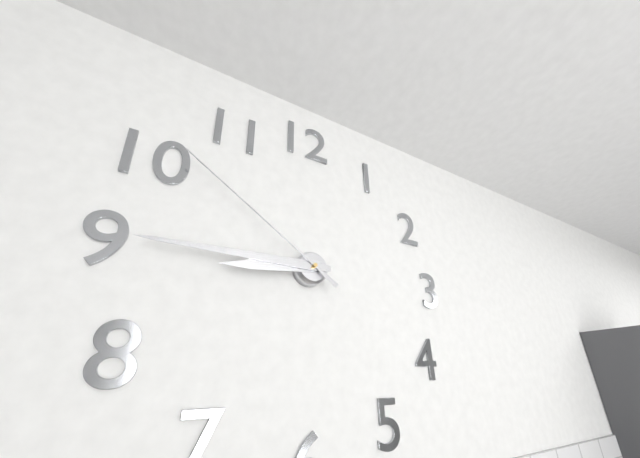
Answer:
h=8 m=45 s=51
